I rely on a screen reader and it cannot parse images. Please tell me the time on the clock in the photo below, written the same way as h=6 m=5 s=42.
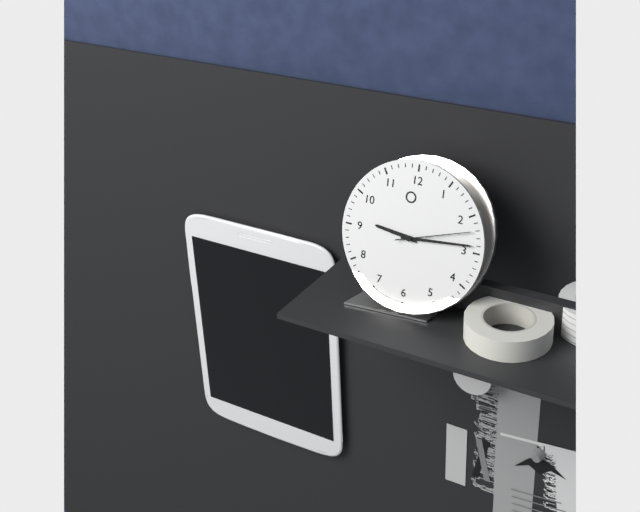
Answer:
h=9 m=14 s=12
